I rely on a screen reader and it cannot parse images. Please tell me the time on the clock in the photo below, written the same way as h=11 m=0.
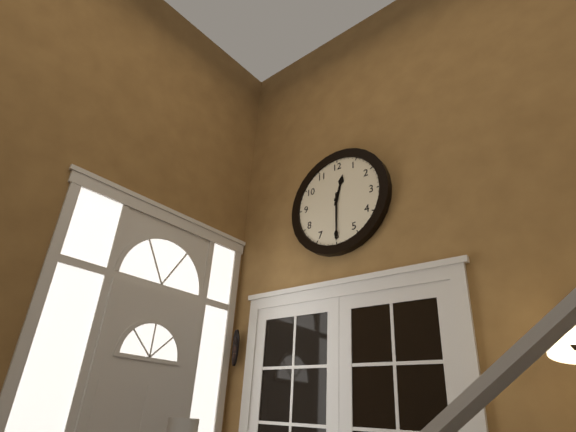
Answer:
h=12 m=30
